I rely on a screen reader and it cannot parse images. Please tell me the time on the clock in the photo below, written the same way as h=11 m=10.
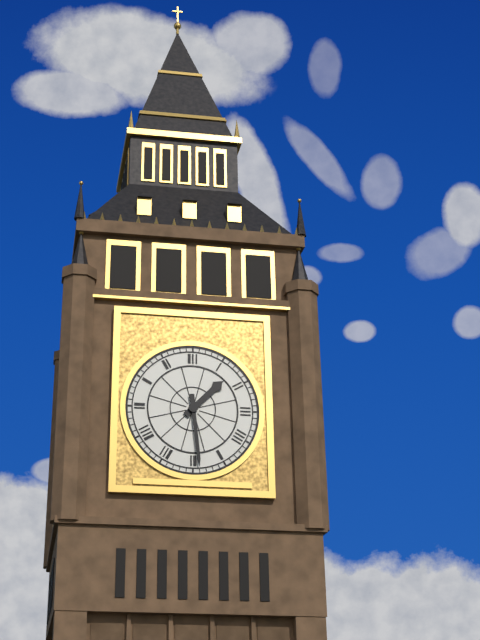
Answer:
h=1 m=29
